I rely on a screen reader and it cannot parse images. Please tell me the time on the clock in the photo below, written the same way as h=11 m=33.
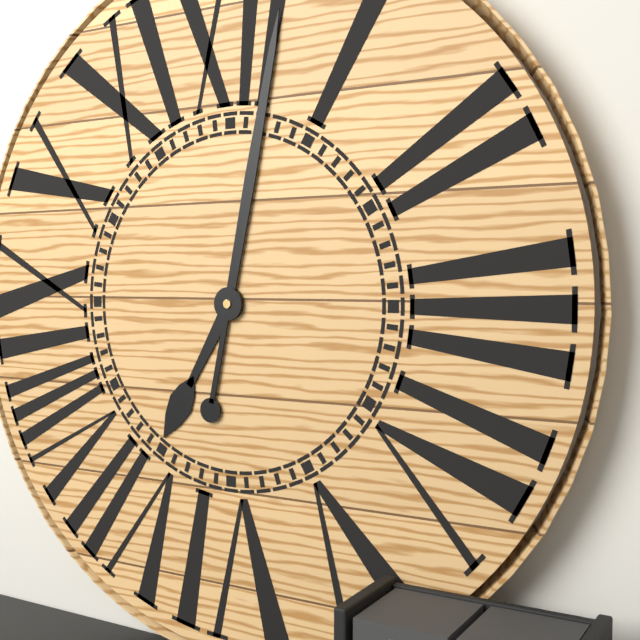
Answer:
h=7 m=2
